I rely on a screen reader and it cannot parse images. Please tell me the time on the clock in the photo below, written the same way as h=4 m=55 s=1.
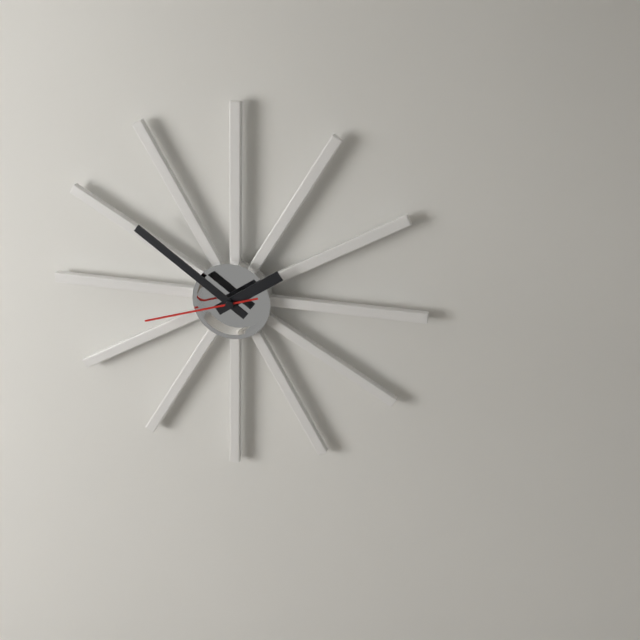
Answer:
h=1 m=51 s=42
